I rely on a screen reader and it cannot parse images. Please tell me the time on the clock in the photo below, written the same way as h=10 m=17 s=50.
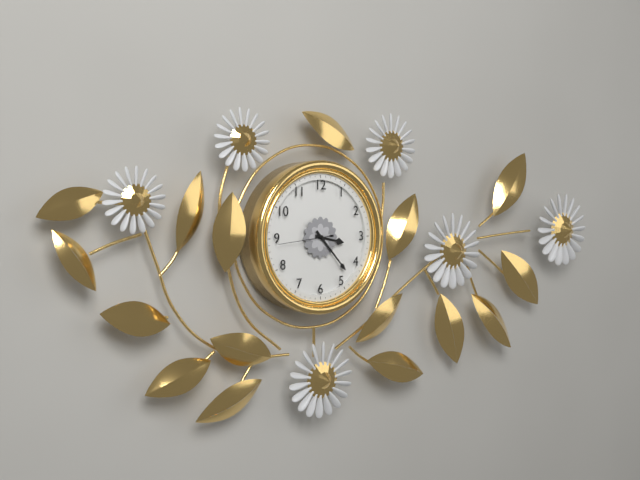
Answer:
h=3 m=23 s=44
